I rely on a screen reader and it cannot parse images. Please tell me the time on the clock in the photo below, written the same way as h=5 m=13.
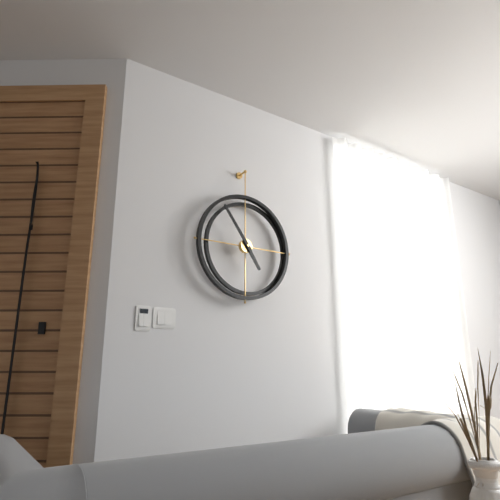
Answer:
h=4 m=54
